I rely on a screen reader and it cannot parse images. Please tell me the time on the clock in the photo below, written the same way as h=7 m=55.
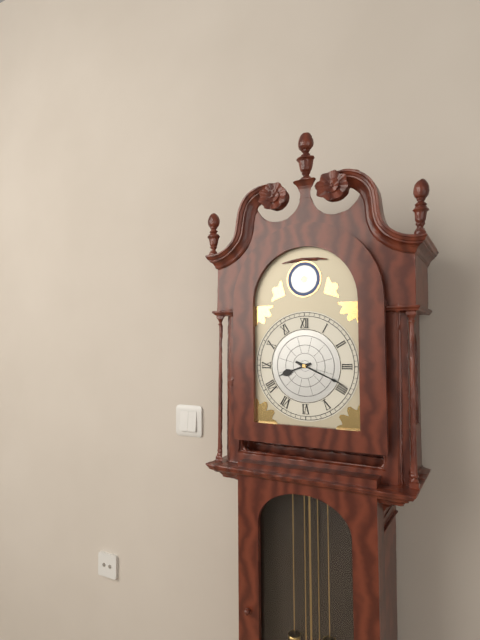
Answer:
h=8 m=19
